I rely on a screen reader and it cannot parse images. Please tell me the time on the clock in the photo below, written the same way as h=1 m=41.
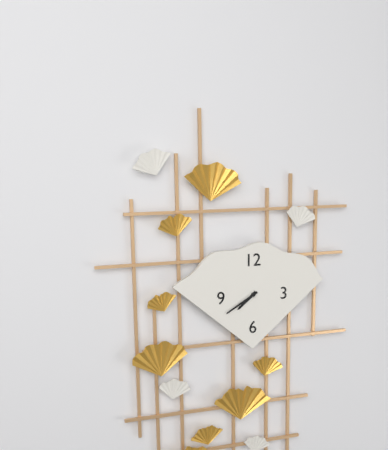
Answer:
h=7 m=40
